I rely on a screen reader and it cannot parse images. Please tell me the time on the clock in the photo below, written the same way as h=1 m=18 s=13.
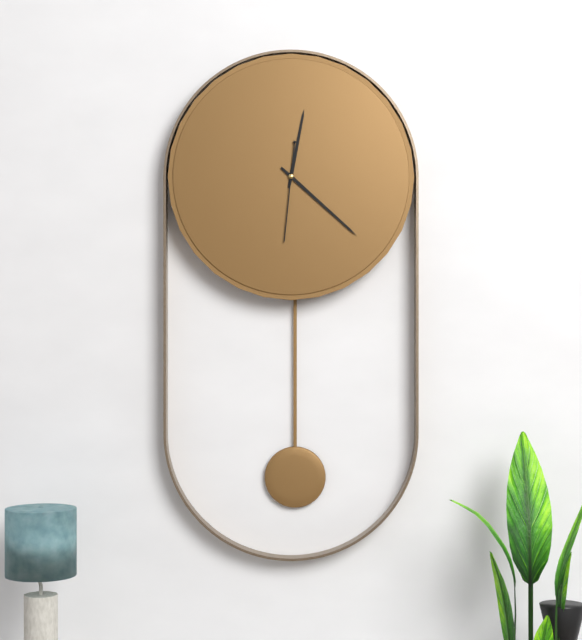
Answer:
h=12 m=22 s=31
